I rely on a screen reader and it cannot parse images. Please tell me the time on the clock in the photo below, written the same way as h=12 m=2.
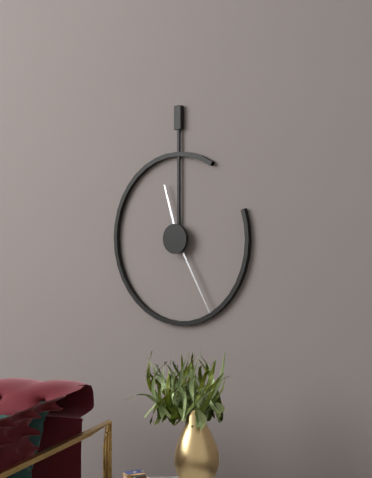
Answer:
h=11 m=25
